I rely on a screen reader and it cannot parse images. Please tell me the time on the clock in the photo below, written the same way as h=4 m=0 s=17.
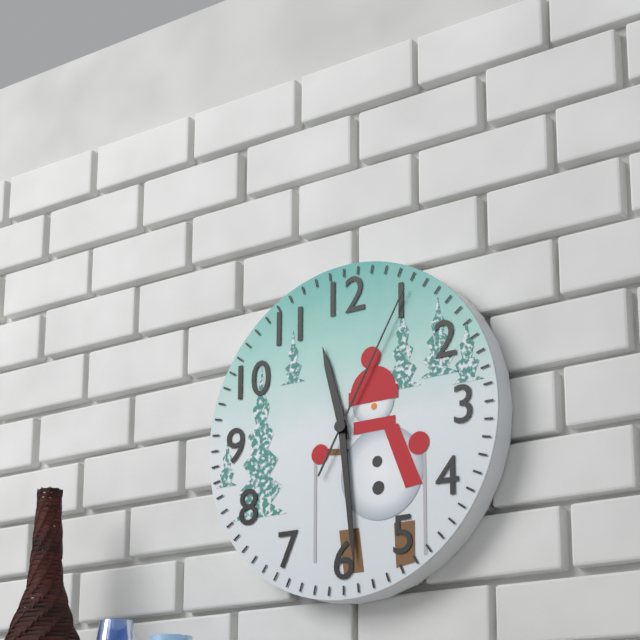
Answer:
h=11 m=29 s=5
